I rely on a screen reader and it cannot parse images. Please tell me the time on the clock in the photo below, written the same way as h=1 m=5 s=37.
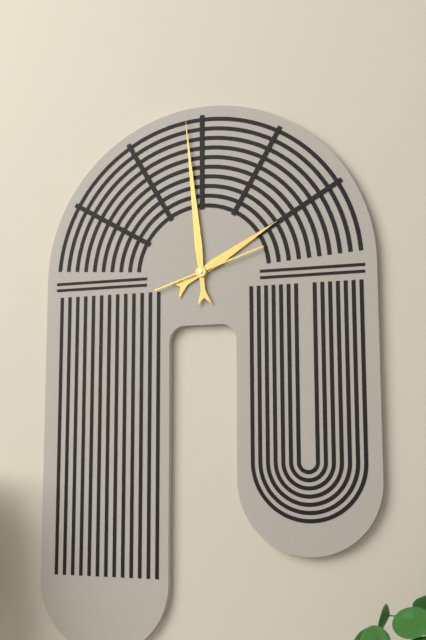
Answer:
h=1 m=59 s=12
